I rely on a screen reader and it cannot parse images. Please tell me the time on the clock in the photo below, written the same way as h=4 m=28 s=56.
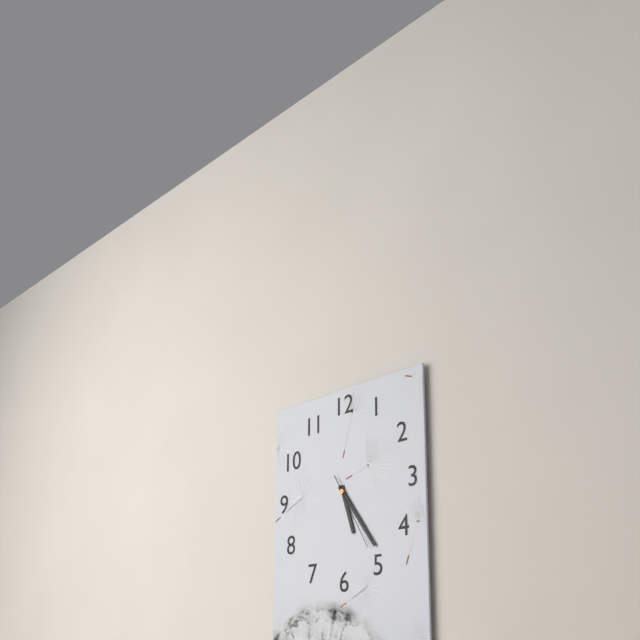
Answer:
h=5 m=24 s=25
